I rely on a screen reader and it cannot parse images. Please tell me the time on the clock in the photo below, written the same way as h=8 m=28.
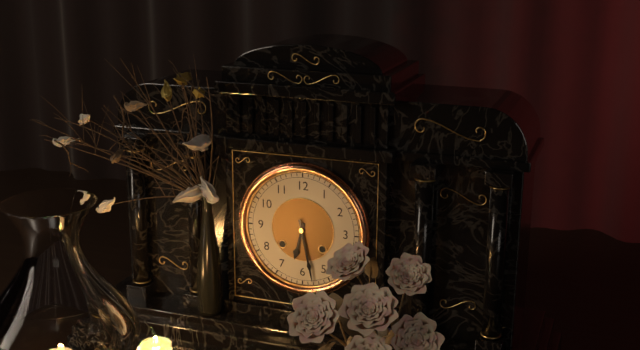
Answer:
h=6 m=28
